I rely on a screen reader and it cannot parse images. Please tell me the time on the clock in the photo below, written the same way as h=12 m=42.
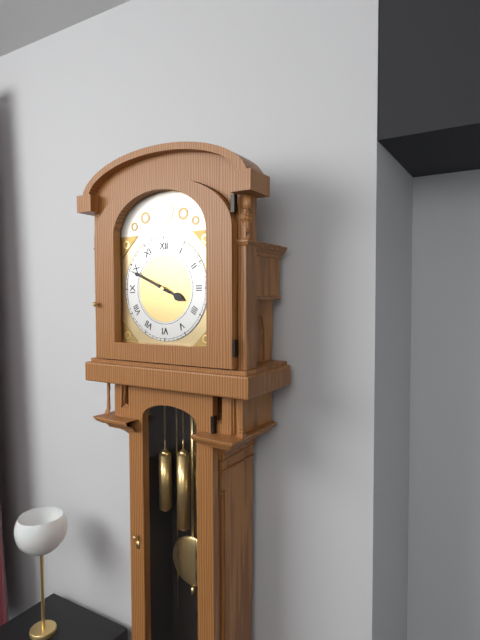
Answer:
h=3 m=49
